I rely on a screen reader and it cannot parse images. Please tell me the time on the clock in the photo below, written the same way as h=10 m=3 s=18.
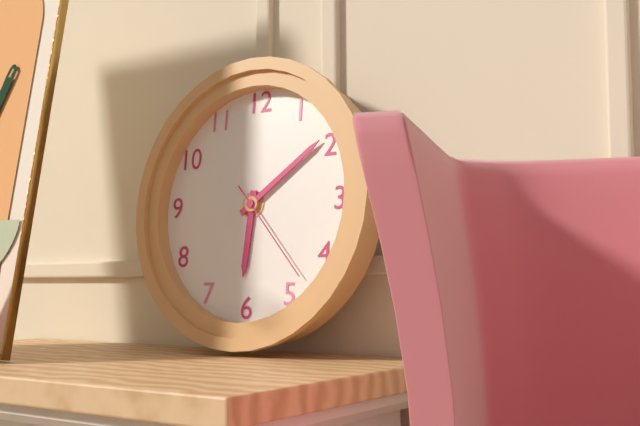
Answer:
h=6 m=9 s=23
